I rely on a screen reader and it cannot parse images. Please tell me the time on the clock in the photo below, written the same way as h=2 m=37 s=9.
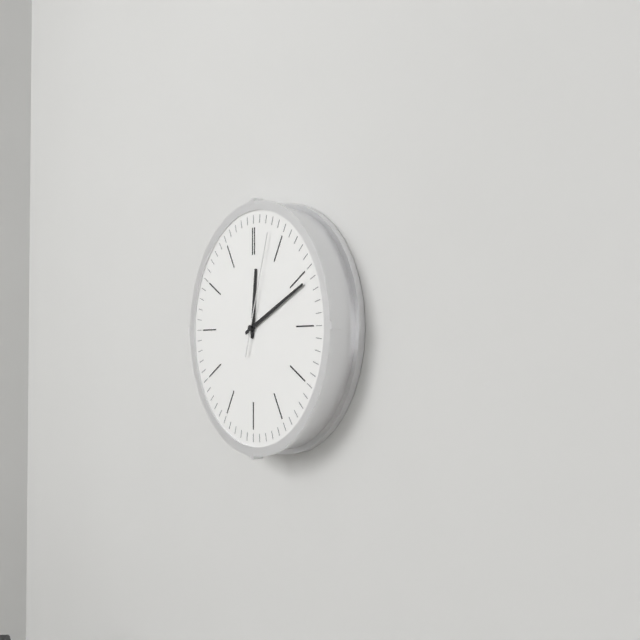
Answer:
h=12 m=11 s=3
